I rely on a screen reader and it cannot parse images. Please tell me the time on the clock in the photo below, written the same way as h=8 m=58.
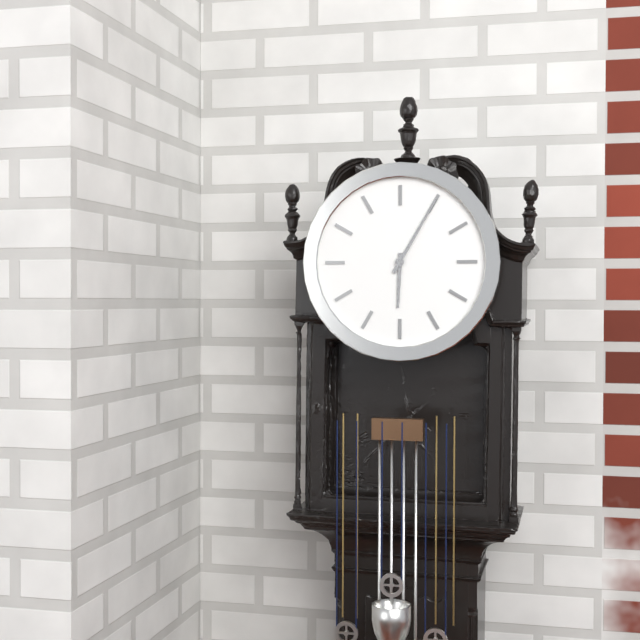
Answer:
h=6 m=5
